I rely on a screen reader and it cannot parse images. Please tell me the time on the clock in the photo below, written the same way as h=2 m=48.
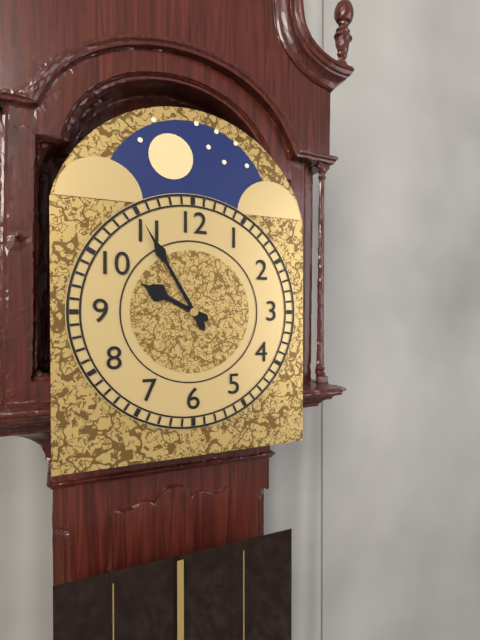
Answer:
h=9 m=55
